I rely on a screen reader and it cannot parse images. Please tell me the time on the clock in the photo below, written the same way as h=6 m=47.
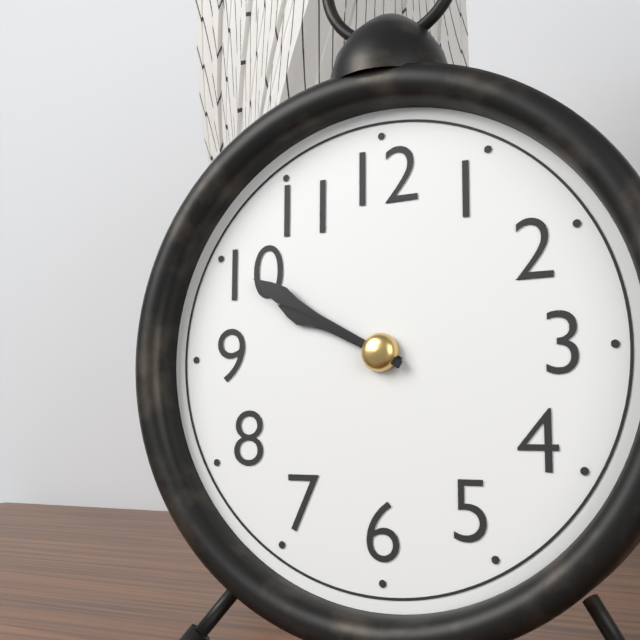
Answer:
h=9 m=50
